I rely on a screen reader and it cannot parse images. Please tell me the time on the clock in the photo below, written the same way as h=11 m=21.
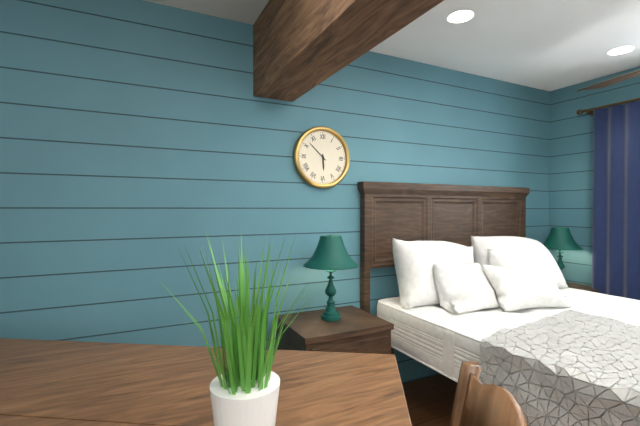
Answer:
h=5 m=52
